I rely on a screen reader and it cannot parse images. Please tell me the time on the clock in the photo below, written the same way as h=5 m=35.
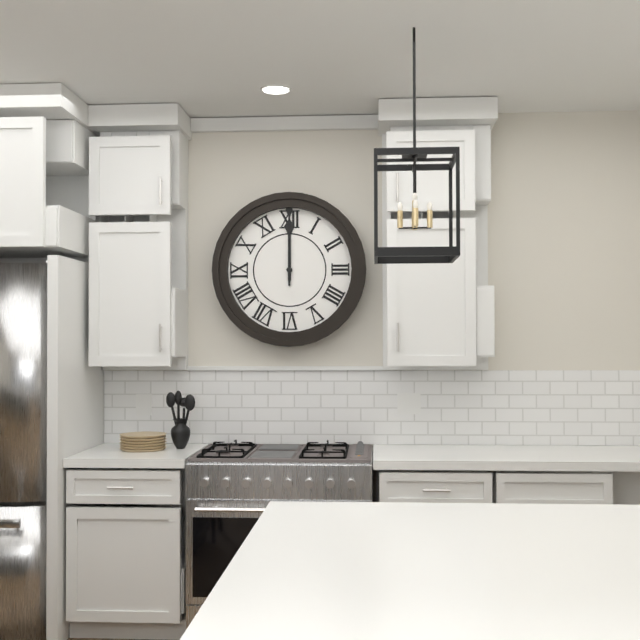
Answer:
h=12 m=0
